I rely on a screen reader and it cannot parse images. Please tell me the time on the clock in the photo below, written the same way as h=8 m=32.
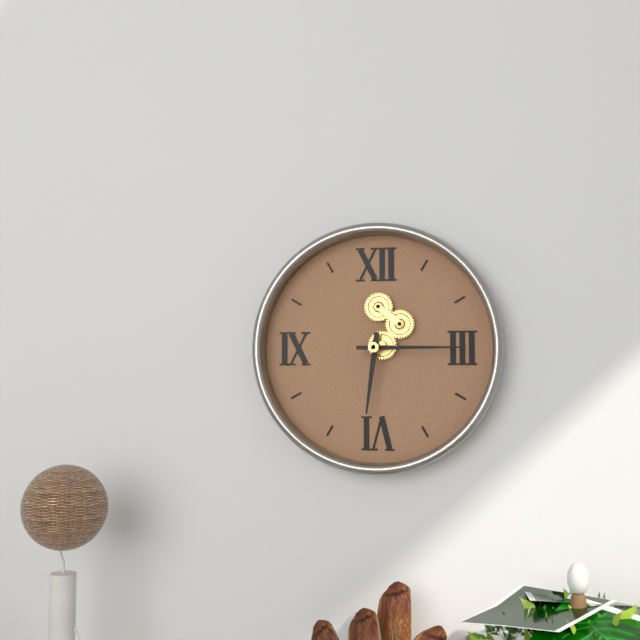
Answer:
h=6 m=15
